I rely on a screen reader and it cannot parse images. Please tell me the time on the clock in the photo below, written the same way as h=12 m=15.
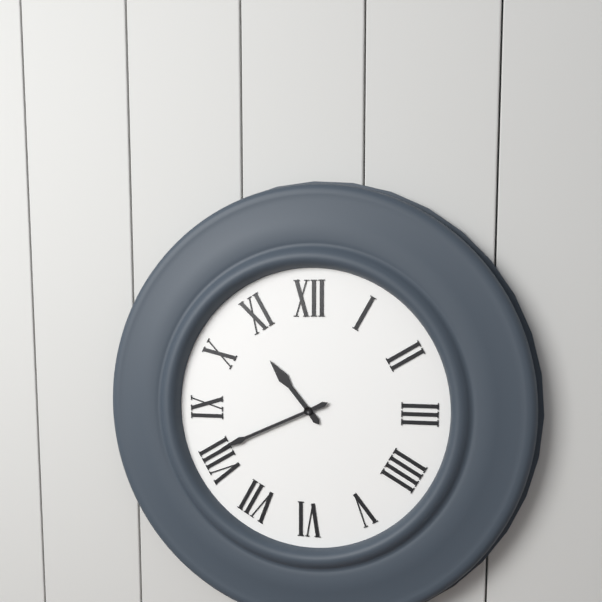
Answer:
h=10 m=41
